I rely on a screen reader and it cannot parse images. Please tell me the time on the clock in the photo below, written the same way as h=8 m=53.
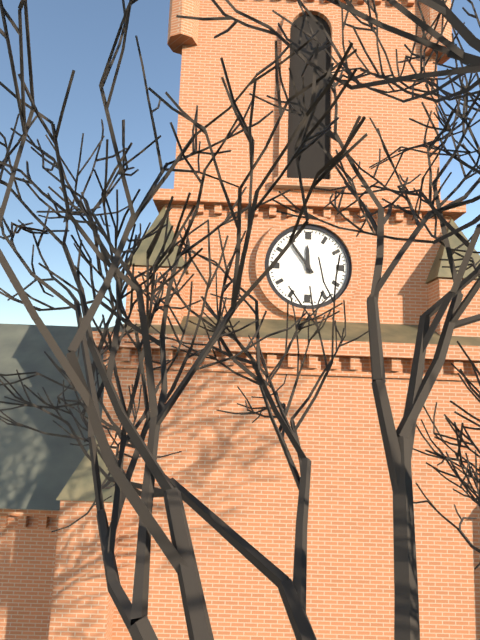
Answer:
h=11 m=54
